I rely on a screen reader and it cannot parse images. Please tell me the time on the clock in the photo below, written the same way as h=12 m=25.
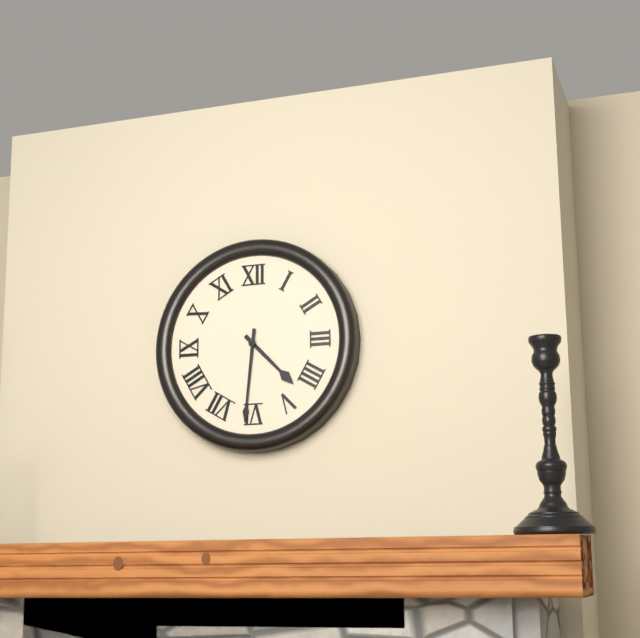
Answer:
h=4 m=31
